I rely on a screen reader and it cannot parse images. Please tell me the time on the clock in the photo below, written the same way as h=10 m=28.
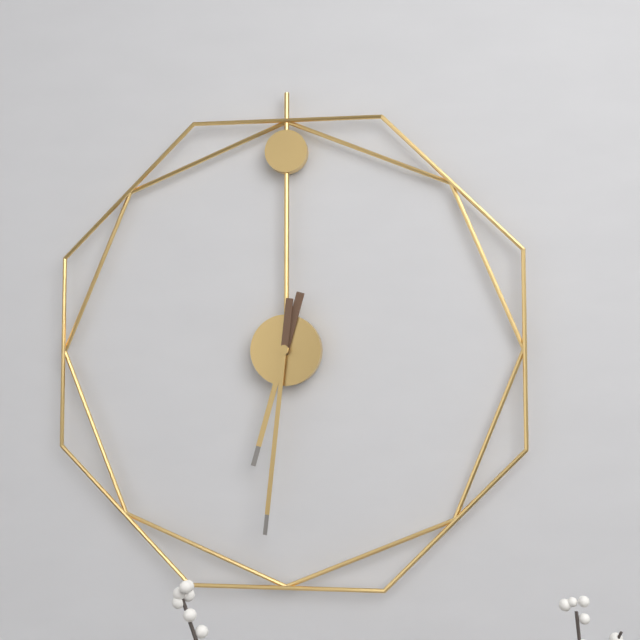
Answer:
h=6 m=31
